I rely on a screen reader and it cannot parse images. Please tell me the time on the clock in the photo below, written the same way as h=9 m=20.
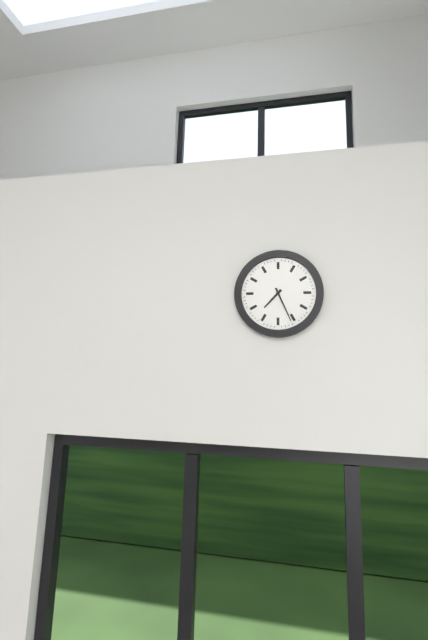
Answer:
h=7 m=26
